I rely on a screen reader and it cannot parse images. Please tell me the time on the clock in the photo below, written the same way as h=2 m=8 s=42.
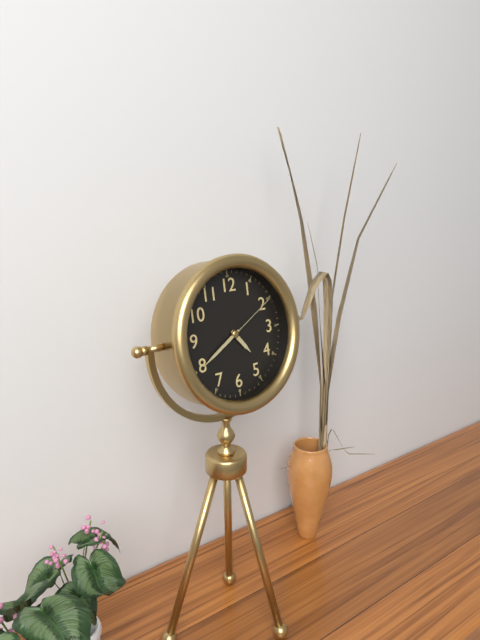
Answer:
h=4 m=40 s=10
